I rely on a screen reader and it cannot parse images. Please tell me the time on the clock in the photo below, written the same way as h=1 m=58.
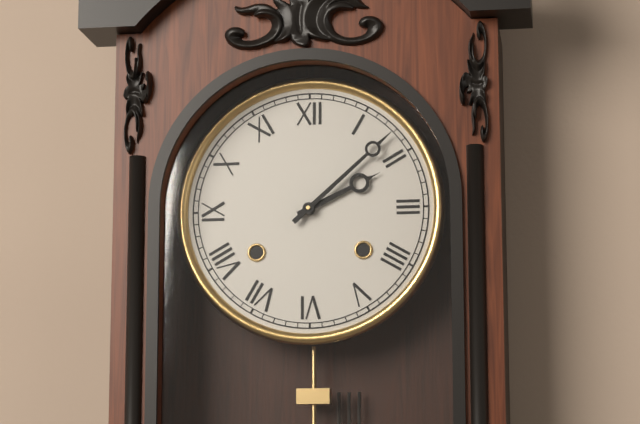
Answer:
h=2 m=8
